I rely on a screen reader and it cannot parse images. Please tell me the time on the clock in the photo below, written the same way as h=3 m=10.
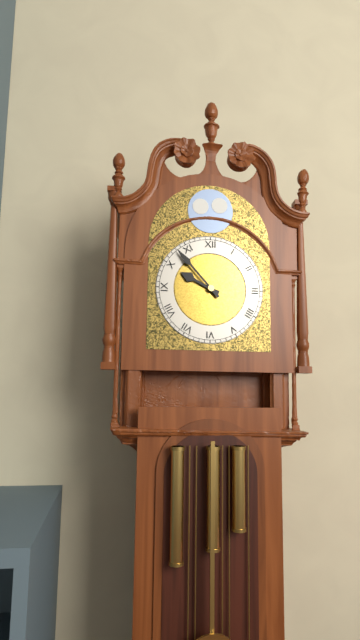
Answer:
h=9 m=53
